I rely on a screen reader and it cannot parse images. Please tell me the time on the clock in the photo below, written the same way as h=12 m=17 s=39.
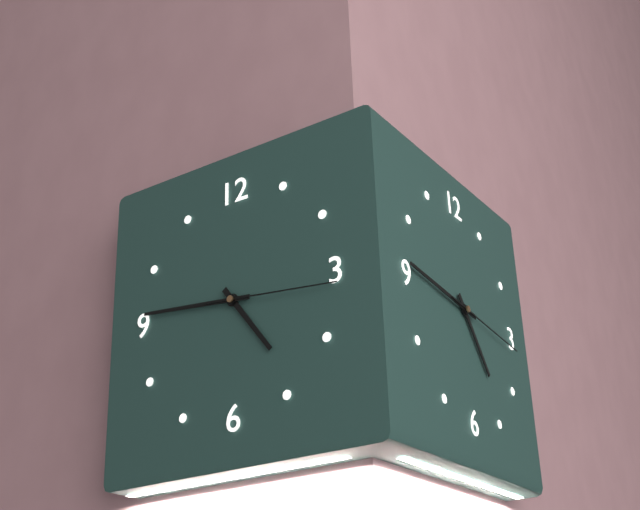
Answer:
h=4 m=46 s=16
